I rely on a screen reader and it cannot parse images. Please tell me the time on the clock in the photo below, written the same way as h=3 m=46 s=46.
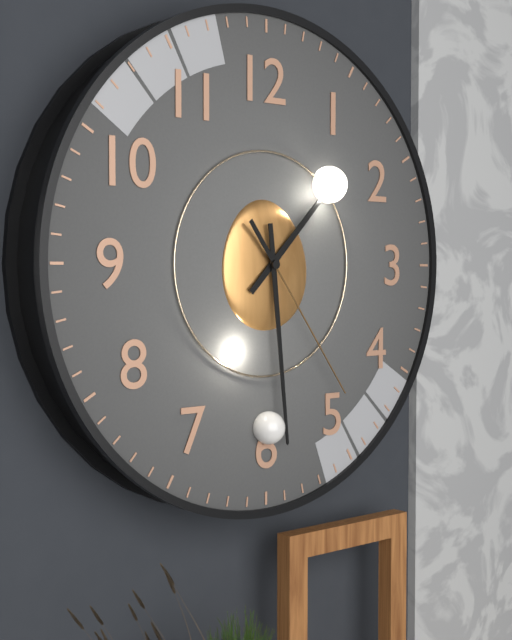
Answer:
h=1 m=29 s=24
